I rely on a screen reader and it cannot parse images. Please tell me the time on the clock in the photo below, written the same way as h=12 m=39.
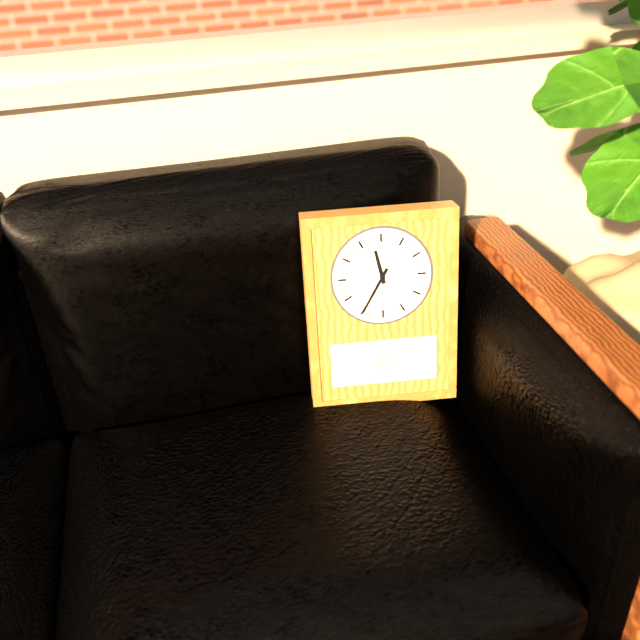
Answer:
h=11 m=35
